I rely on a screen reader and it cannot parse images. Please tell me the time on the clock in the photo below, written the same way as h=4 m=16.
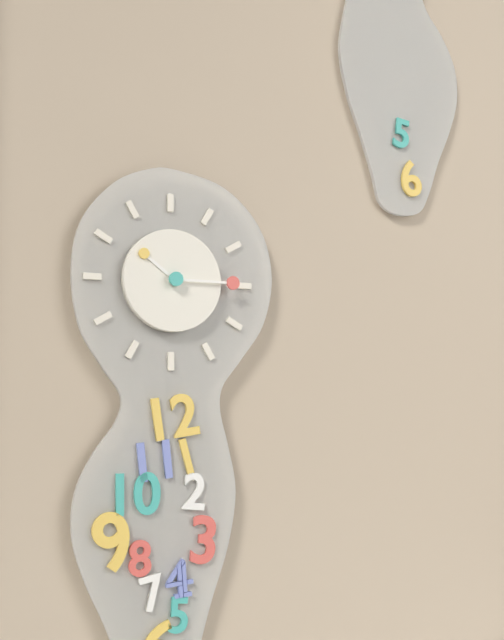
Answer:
h=10 m=15
